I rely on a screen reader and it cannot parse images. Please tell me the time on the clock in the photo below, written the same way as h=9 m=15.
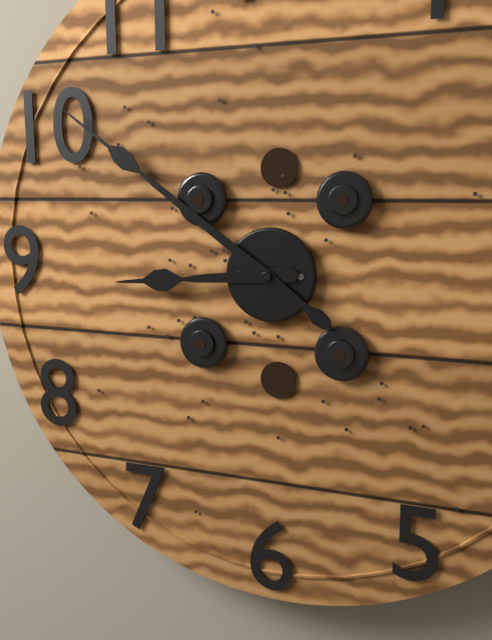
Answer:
h=8 m=51
